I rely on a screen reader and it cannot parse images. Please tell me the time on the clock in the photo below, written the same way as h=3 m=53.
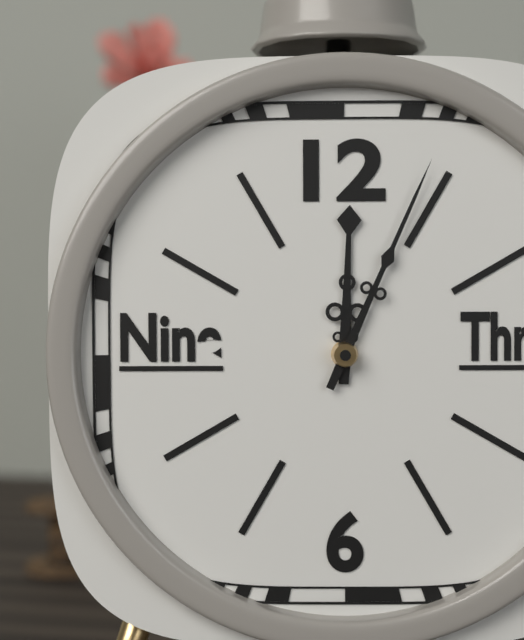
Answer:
h=12 m=4
